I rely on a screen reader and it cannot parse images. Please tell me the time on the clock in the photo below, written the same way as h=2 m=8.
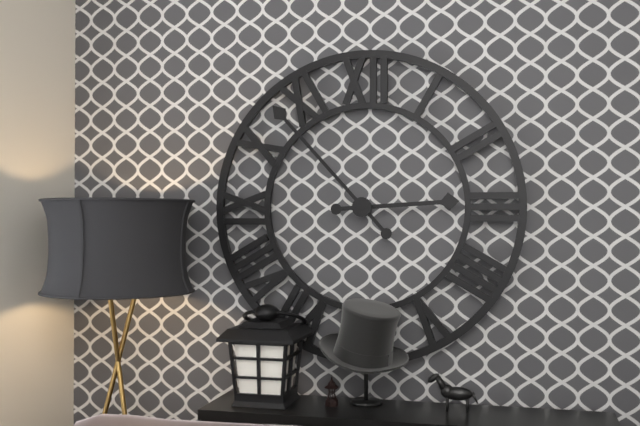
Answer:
h=2 m=53
